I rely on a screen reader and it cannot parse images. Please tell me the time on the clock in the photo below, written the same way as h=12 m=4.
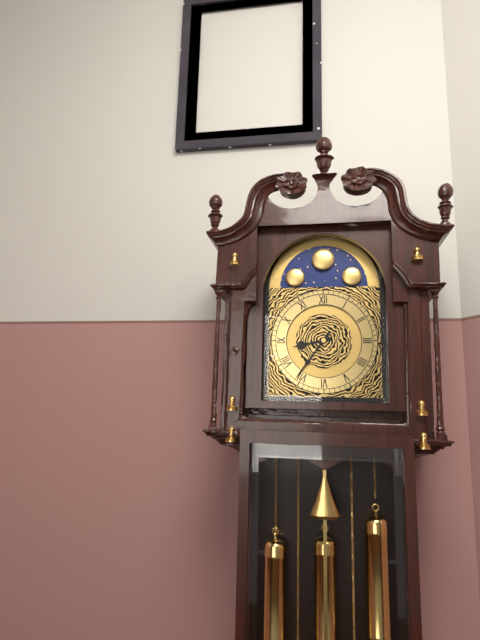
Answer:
h=8 m=36
